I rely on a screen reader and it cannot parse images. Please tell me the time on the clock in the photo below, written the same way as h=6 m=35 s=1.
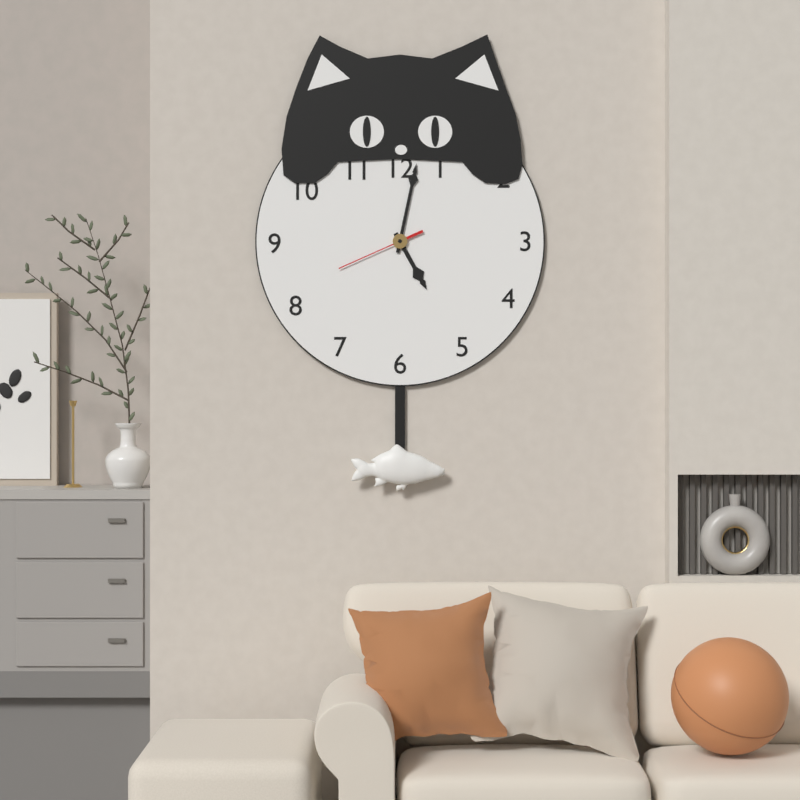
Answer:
h=5 m=2 s=41
